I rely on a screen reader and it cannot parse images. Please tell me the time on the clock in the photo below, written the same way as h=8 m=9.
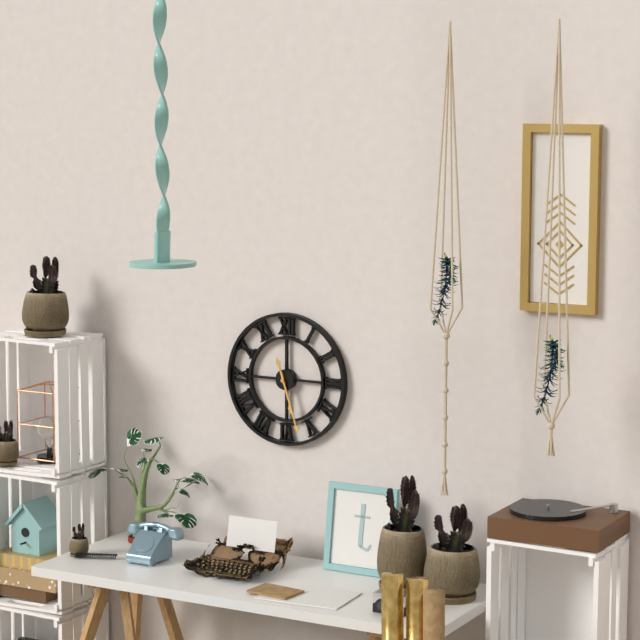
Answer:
h=5 m=27
